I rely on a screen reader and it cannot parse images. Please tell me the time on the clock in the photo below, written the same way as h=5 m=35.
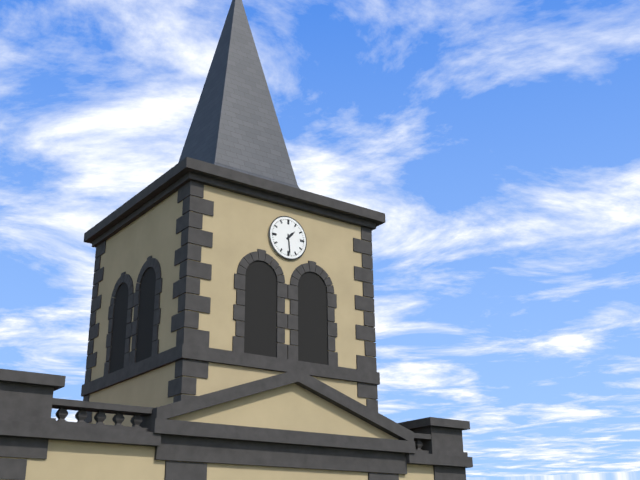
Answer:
h=1 m=29
